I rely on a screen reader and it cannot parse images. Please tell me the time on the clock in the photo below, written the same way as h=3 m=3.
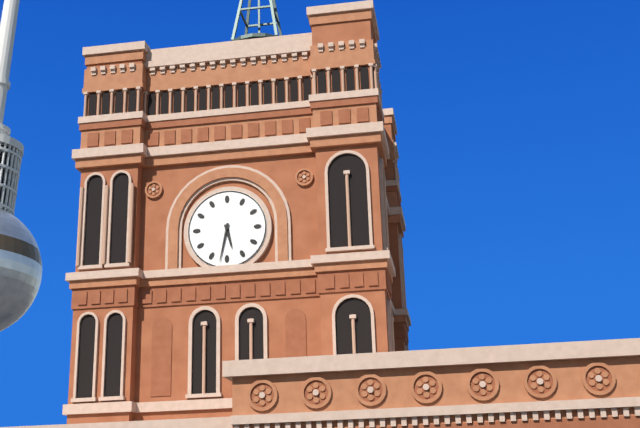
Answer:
h=5 m=32
